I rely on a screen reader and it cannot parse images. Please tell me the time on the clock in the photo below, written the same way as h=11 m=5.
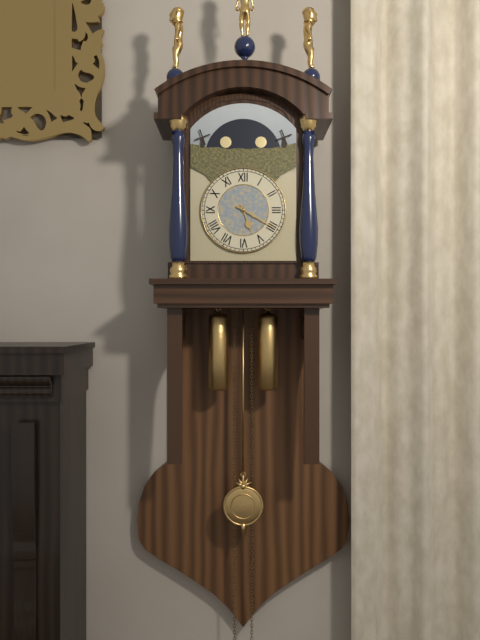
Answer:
h=5 m=20
